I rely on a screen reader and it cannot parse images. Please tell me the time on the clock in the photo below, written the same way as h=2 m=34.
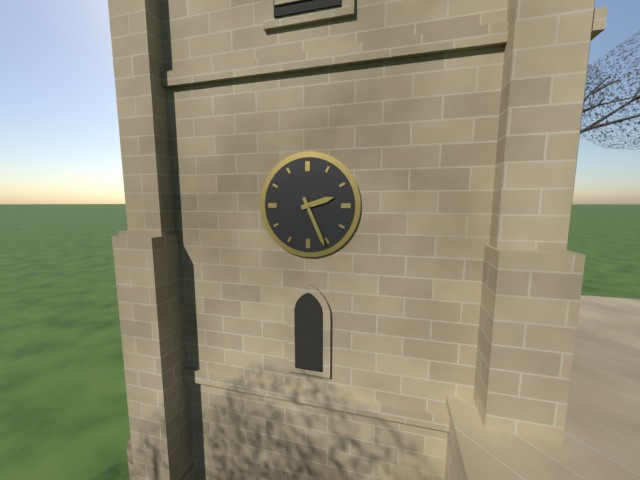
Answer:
h=2 m=26
